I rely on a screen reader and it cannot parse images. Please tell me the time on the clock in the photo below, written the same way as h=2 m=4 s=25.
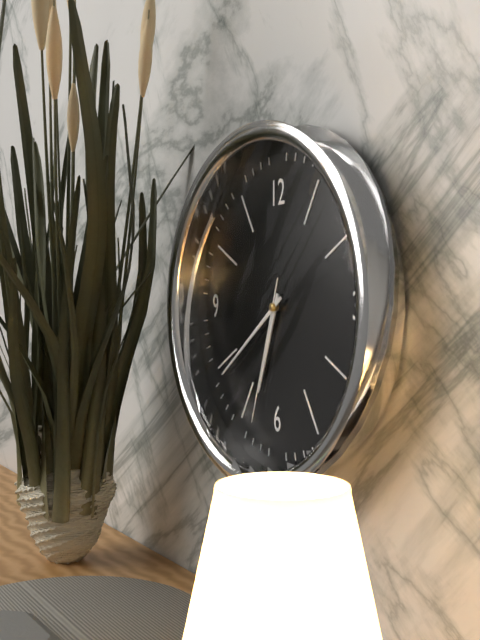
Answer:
h=6 m=39 s=33
